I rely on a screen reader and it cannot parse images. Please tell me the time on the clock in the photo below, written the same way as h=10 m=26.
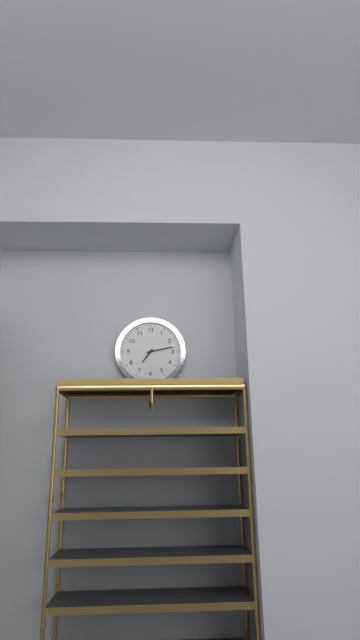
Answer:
h=7 m=13
